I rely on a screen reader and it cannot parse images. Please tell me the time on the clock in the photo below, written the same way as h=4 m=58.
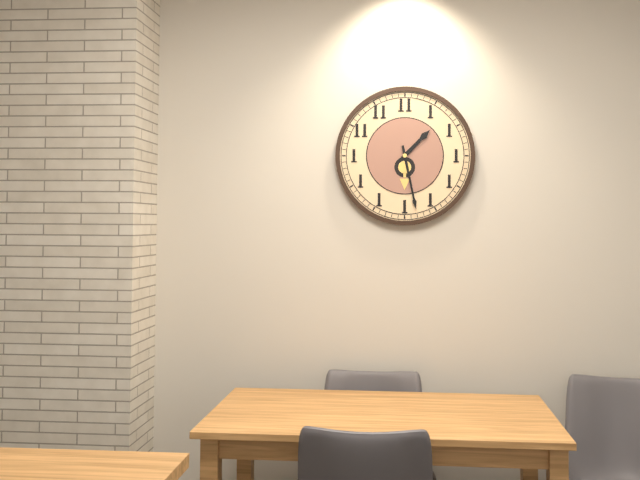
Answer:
h=1 m=28
